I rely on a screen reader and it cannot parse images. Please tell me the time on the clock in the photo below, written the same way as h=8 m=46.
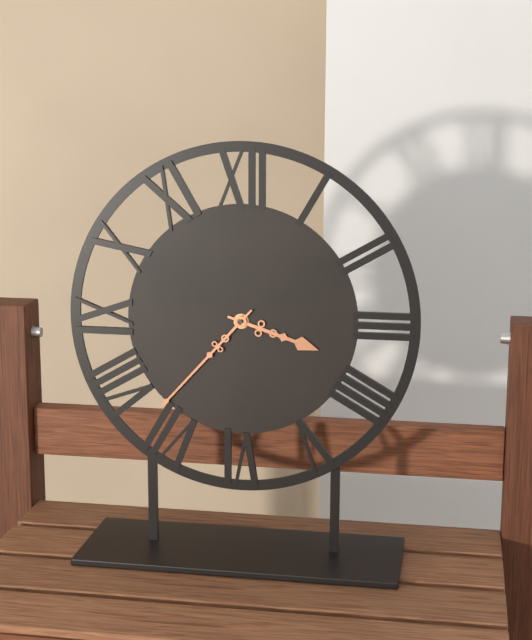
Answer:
h=3 m=37
